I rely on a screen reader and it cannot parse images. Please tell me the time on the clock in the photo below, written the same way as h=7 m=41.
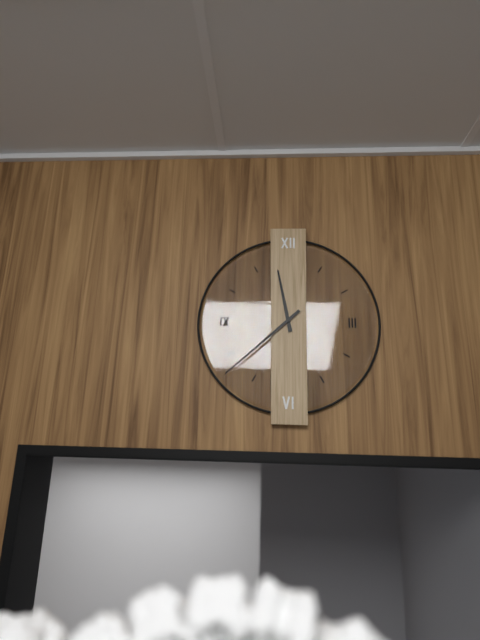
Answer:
h=11 m=38
